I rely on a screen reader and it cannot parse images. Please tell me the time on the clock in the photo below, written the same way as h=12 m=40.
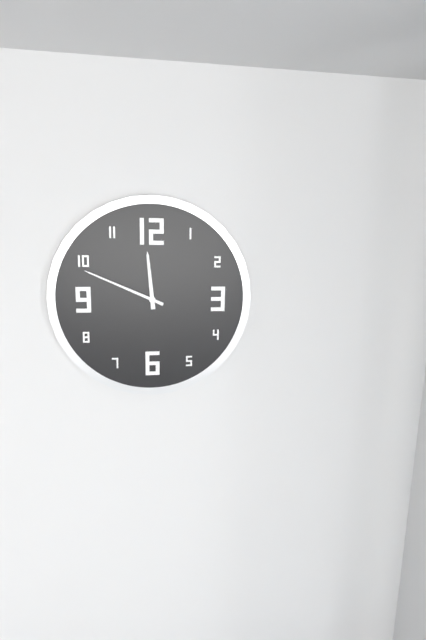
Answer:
h=11 m=49
